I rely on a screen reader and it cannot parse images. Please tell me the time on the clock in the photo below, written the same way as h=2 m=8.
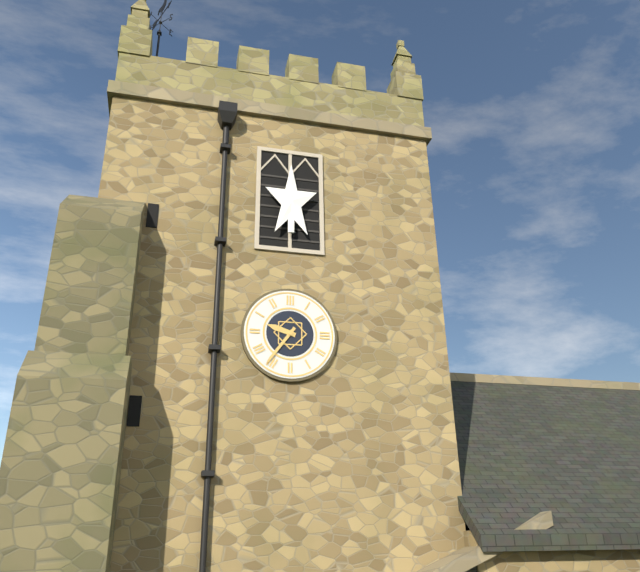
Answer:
h=9 m=36
